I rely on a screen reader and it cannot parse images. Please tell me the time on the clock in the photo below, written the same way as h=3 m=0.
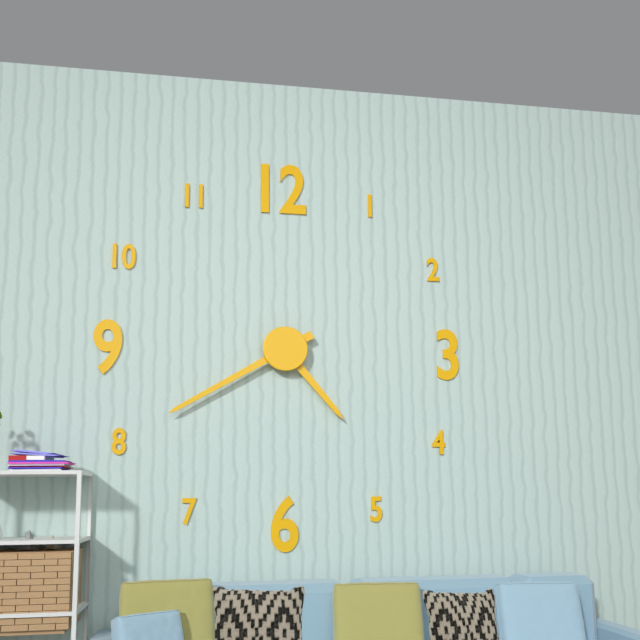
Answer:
h=4 m=40
